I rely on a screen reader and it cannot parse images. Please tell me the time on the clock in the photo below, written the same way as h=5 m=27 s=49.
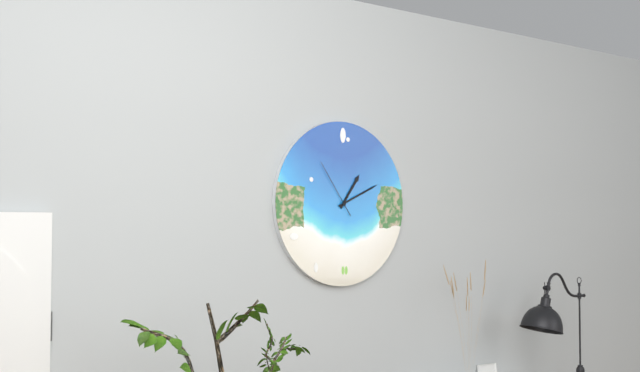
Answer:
h=1 m=11 s=54
